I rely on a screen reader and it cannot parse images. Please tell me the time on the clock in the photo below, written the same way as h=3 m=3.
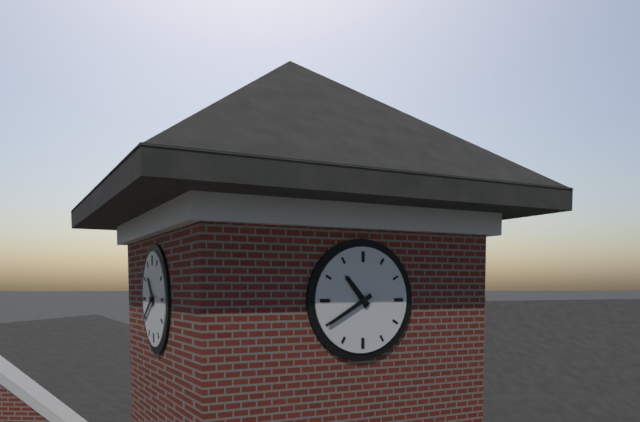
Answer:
h=10 m=40
